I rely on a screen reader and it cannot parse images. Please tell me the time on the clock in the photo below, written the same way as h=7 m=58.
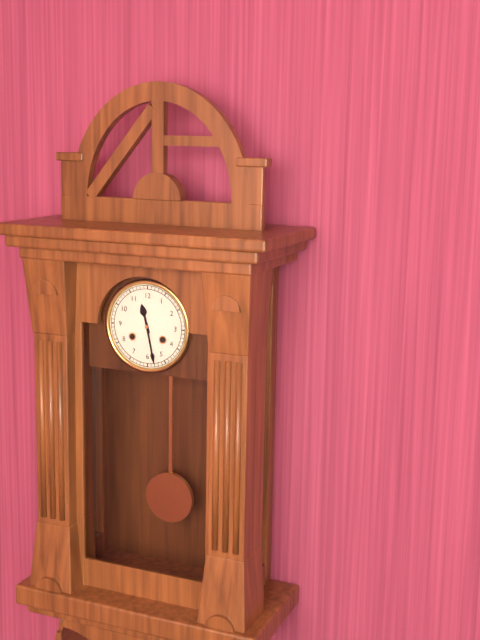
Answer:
h=11 m=28
